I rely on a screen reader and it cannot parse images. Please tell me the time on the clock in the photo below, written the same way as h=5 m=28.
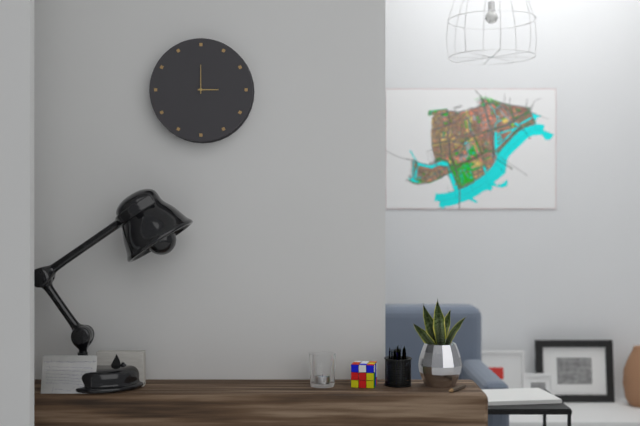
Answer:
h=3 m=0
